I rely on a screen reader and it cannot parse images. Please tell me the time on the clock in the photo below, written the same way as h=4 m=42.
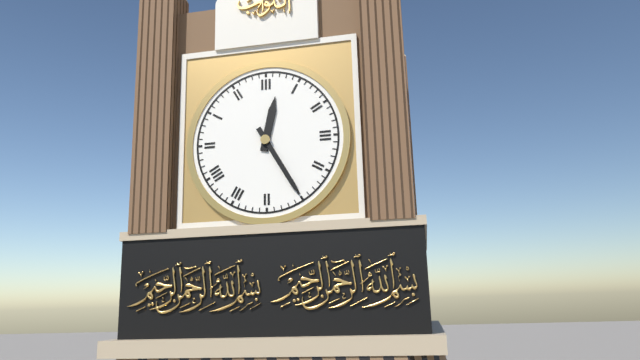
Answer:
h=12 m=25
